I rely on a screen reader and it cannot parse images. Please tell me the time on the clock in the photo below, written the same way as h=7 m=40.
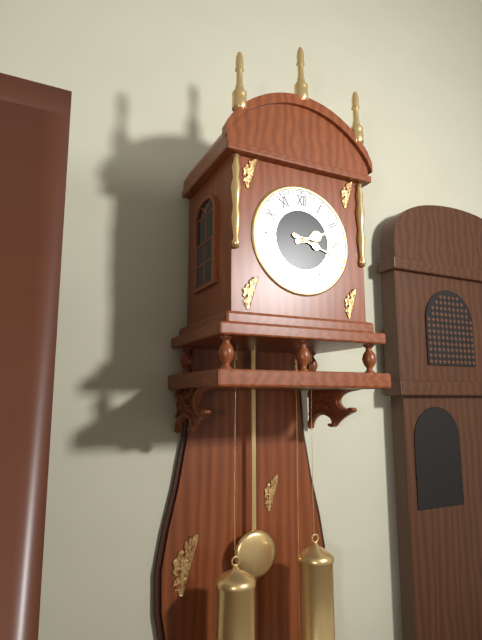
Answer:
h=2 m=18
